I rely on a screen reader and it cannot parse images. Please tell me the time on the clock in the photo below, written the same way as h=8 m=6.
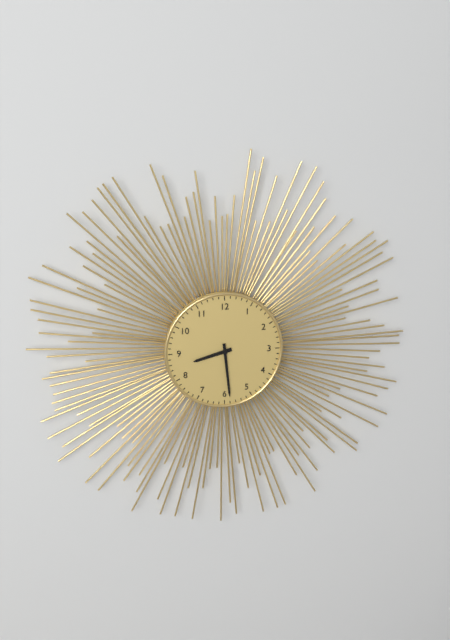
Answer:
h=8 m=29
